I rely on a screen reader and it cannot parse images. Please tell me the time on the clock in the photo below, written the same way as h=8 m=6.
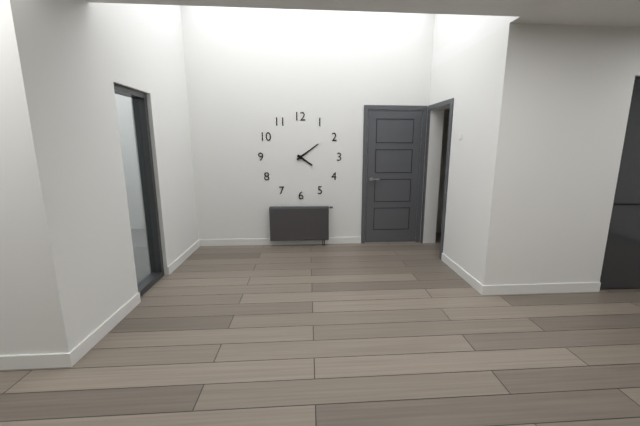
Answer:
h=4 m=9
